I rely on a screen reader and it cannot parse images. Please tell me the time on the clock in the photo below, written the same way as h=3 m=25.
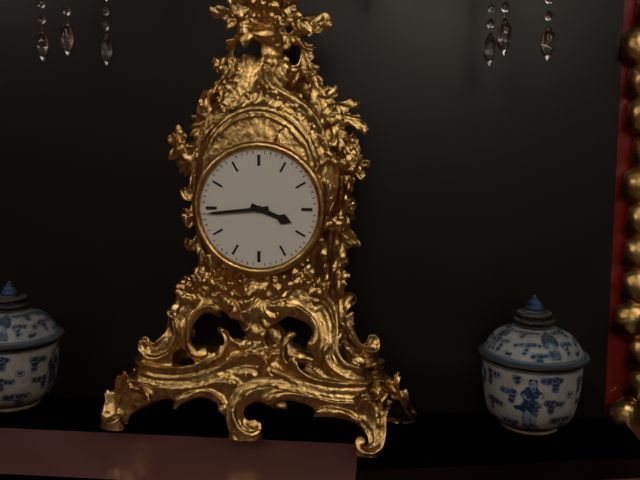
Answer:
h=3 m=44
